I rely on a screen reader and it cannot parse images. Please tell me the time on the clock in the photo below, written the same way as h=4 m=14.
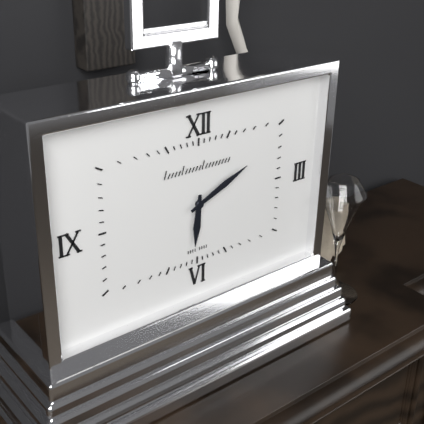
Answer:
h=6 m=11
